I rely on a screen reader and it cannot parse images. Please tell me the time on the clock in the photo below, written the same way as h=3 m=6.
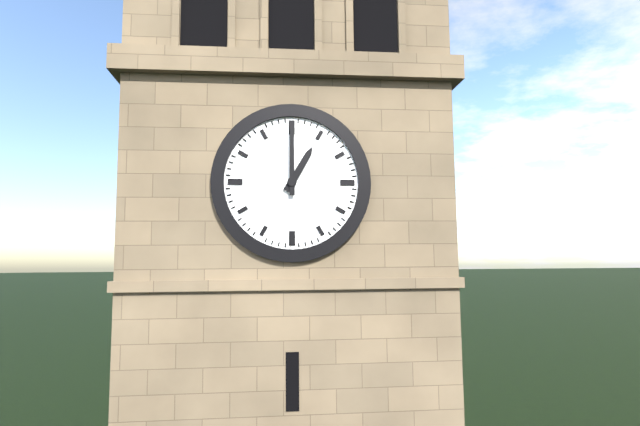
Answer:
h=1 m=0
